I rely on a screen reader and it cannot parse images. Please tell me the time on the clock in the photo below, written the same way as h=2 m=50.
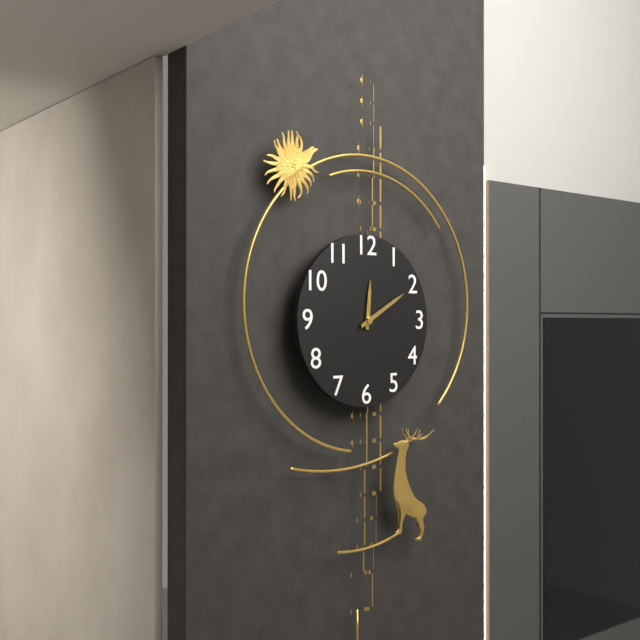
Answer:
h=12 m=10
